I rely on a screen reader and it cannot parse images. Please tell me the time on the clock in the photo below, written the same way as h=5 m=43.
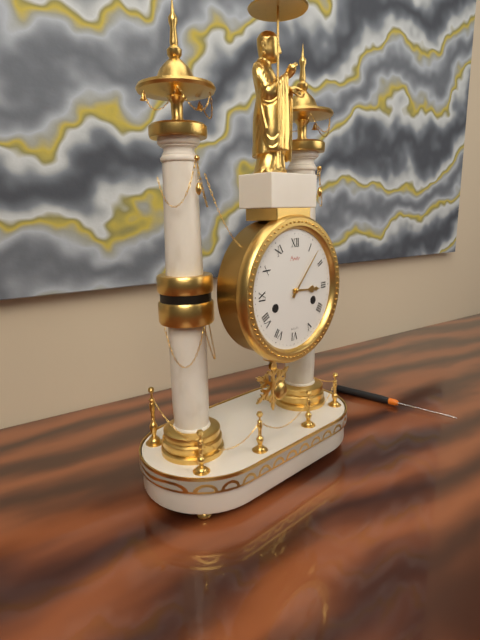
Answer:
h=3 m=7
